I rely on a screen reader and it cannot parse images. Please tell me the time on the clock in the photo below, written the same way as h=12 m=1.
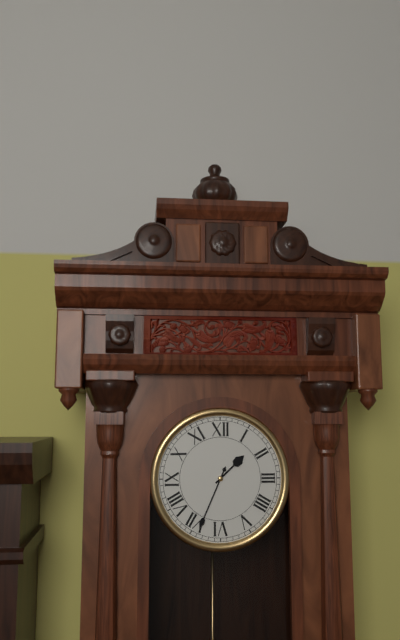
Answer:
h=1 m=34
